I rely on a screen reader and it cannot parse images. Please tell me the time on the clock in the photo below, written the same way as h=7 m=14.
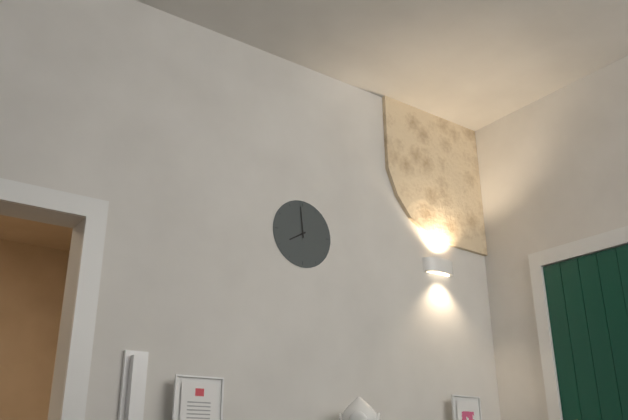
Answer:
h=7 m=59
